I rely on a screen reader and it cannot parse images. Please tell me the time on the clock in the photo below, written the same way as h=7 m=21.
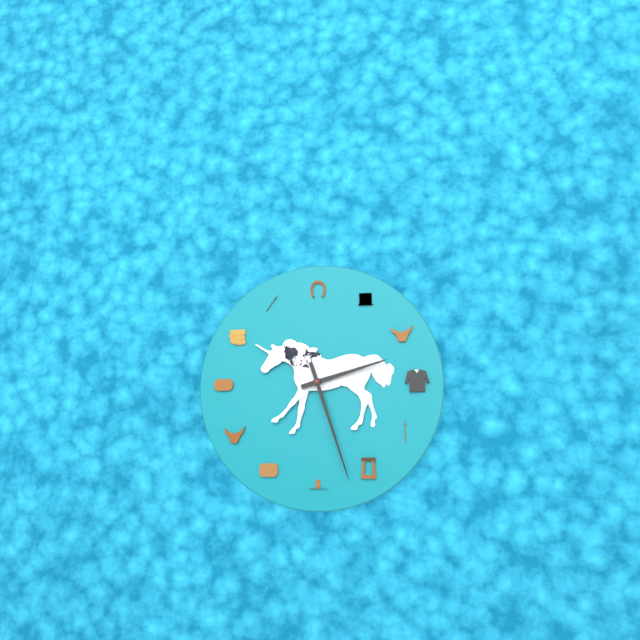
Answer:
h=2 m=27
